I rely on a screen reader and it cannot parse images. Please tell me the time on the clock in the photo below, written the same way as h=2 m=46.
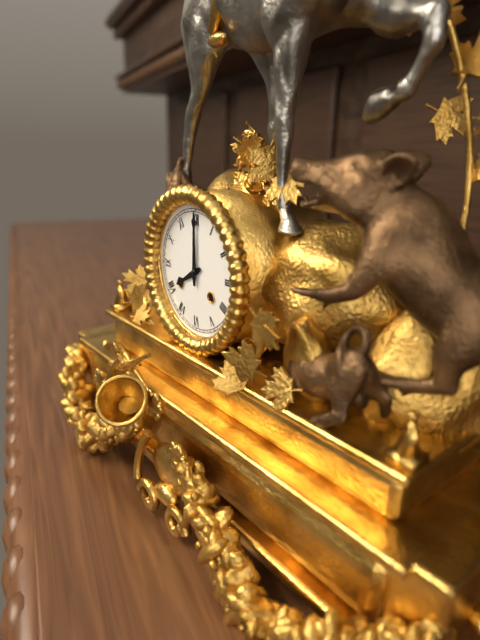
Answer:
h=8 m=0
